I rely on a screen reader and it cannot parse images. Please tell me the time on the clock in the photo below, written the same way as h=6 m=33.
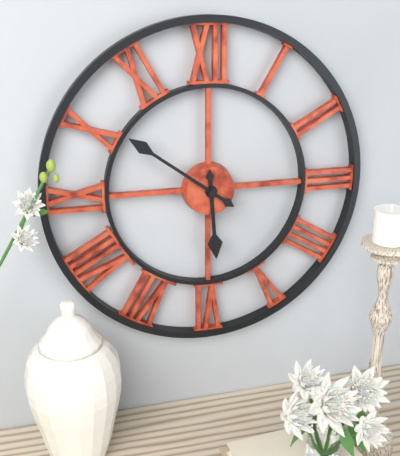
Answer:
h=5 m=51
